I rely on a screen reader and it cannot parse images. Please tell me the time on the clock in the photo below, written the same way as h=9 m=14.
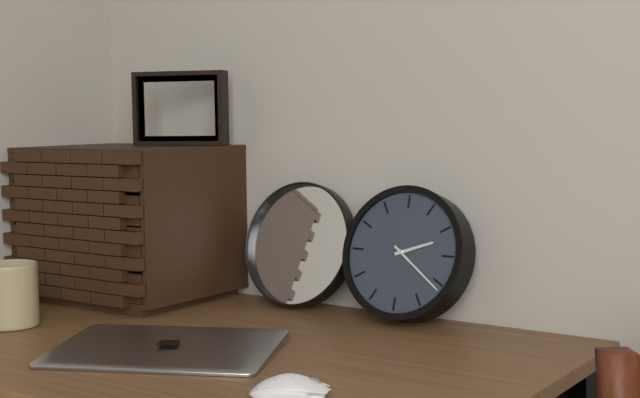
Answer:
h=2 m=21
